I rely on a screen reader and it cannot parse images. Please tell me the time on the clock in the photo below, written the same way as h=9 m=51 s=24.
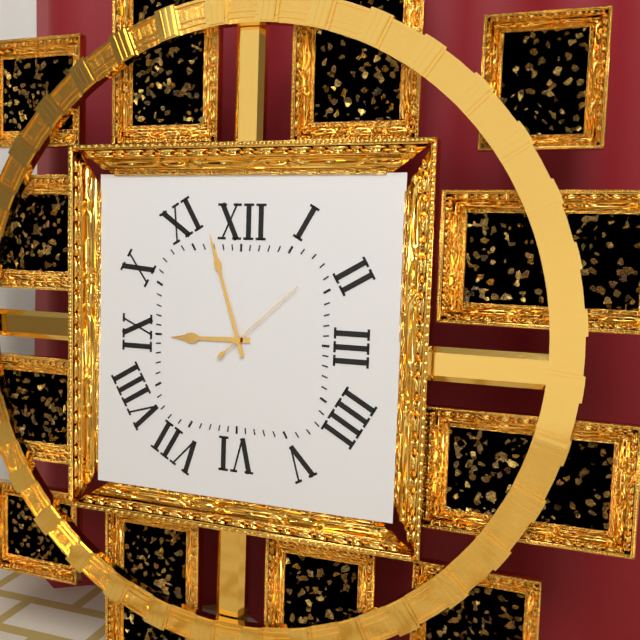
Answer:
h=8 m=57 s=8
